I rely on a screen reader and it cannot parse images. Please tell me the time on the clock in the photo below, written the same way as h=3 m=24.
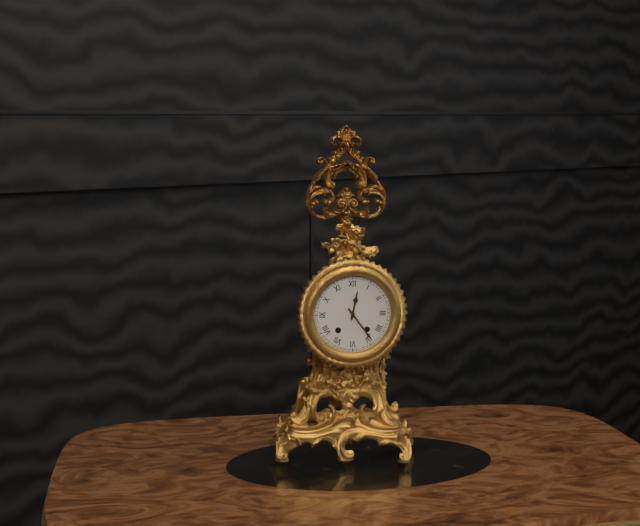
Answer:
h=12 m=24
